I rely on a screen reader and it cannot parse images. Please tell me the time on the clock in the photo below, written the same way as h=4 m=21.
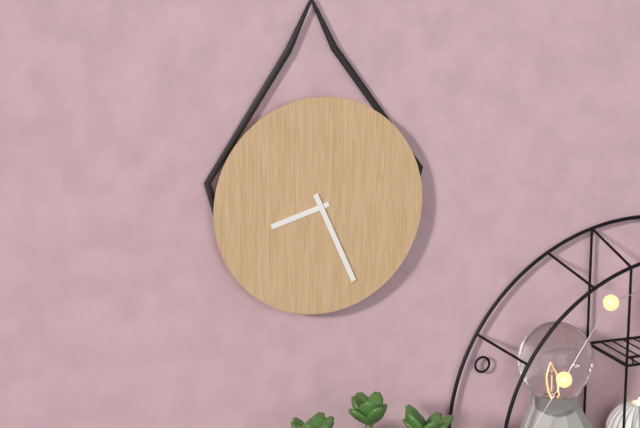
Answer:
h=8 m=26
